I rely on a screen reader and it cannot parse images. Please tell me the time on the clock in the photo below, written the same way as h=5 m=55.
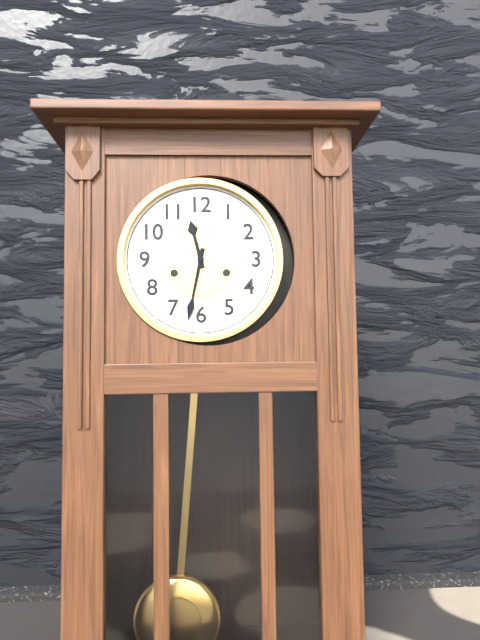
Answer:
h=11 m=32
